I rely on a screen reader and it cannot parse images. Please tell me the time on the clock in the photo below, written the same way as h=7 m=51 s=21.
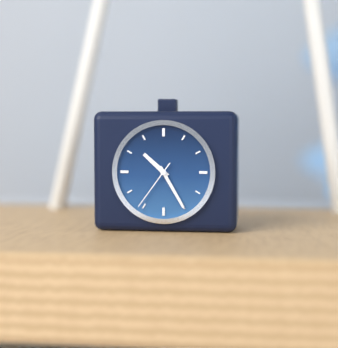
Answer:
h=10 m=25 s=36
